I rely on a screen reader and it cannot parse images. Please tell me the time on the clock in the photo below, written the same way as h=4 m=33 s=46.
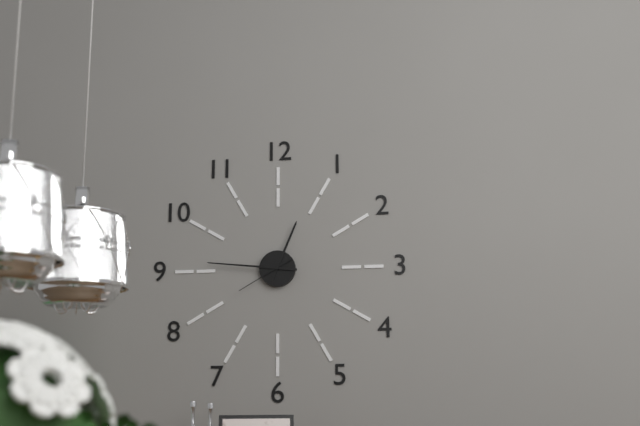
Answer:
h=12 m=46 s=40
